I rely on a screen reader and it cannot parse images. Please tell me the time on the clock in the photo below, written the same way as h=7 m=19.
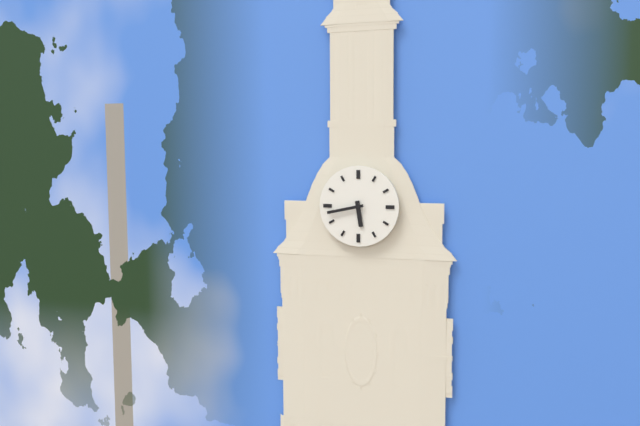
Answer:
h=5 m=43
